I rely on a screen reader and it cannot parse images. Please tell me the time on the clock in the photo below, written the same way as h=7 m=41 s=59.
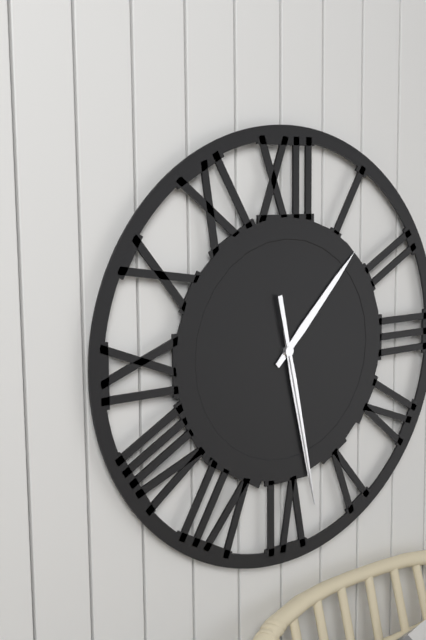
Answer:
h=1 m=28 s=28
